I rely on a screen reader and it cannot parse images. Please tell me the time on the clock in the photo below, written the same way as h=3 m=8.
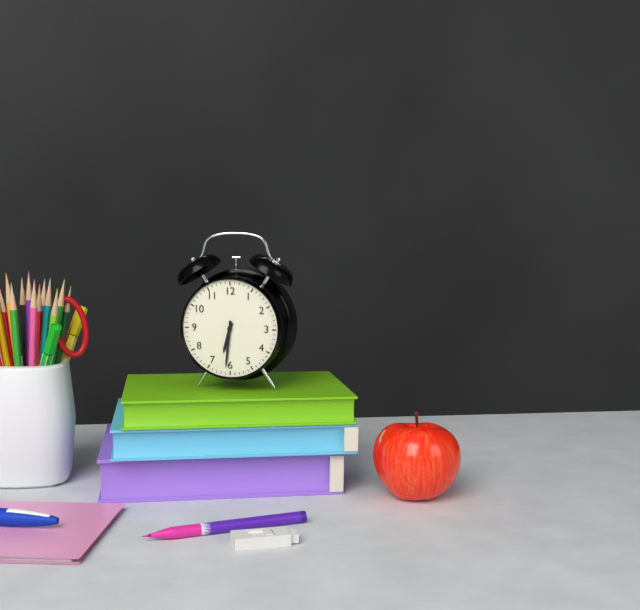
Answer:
h=6 m=31
